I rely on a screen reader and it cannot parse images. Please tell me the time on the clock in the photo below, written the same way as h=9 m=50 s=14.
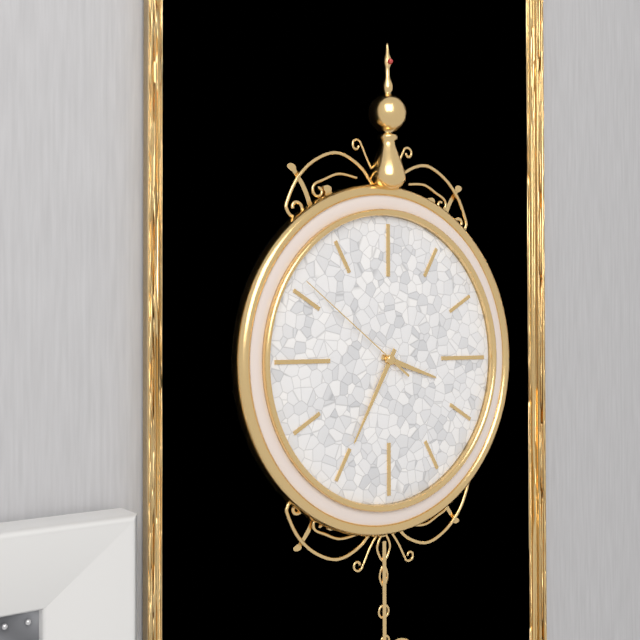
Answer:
h=3 m=35 s=51
